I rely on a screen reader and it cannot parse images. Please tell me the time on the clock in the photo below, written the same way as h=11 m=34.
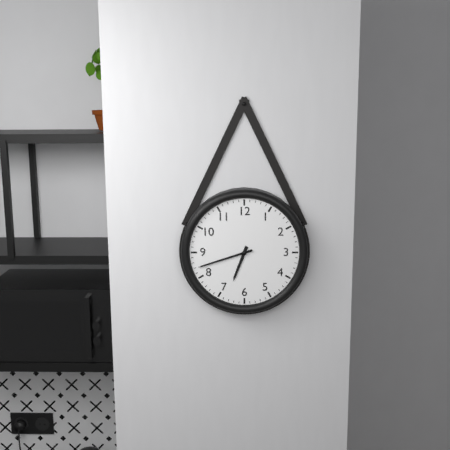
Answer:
h=6 m=42
